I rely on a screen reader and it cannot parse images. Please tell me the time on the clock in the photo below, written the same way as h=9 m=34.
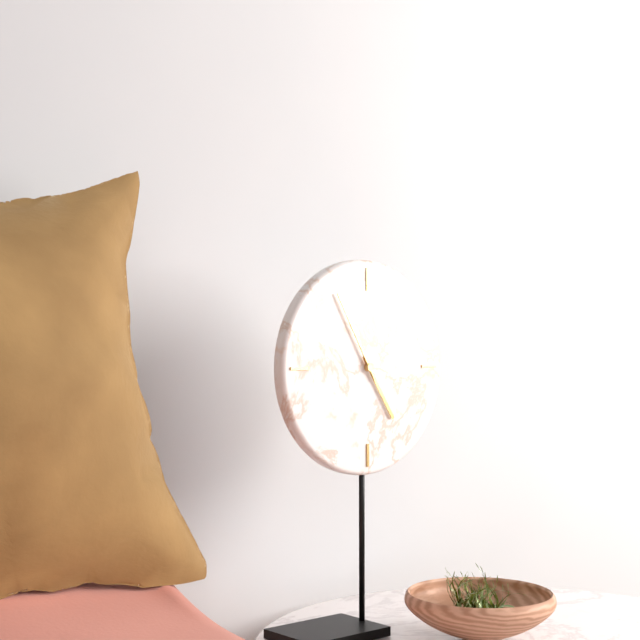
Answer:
h=4 m=55
